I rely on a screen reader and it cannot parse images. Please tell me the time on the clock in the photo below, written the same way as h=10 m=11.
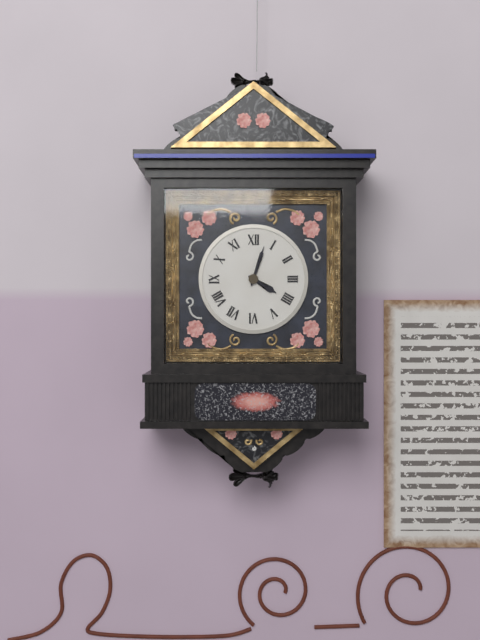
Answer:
h=4 m=3
